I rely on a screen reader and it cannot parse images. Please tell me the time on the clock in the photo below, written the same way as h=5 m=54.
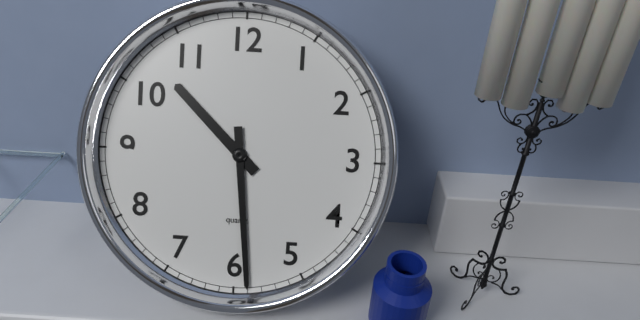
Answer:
h=10 m=29
